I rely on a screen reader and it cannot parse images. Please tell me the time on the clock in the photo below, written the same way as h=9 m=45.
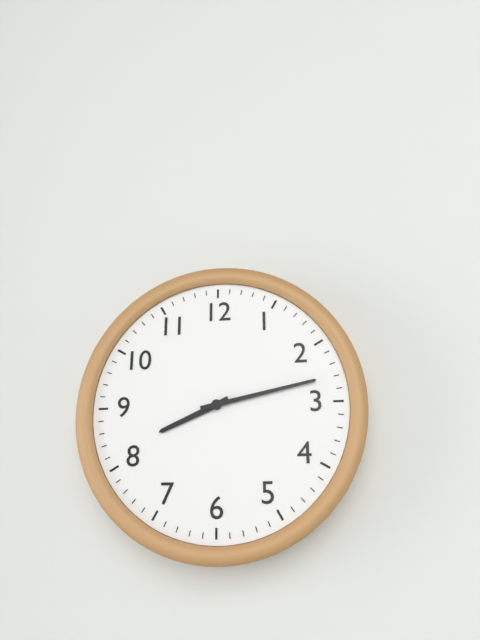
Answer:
h=8 m=13
